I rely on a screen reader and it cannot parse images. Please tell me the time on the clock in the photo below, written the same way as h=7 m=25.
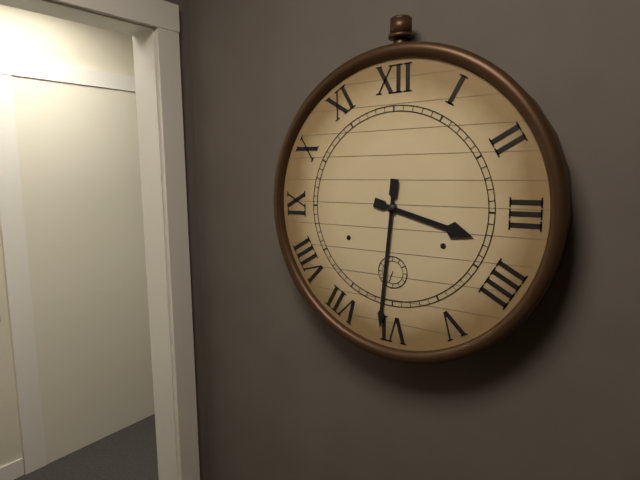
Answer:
h=3 m=31
